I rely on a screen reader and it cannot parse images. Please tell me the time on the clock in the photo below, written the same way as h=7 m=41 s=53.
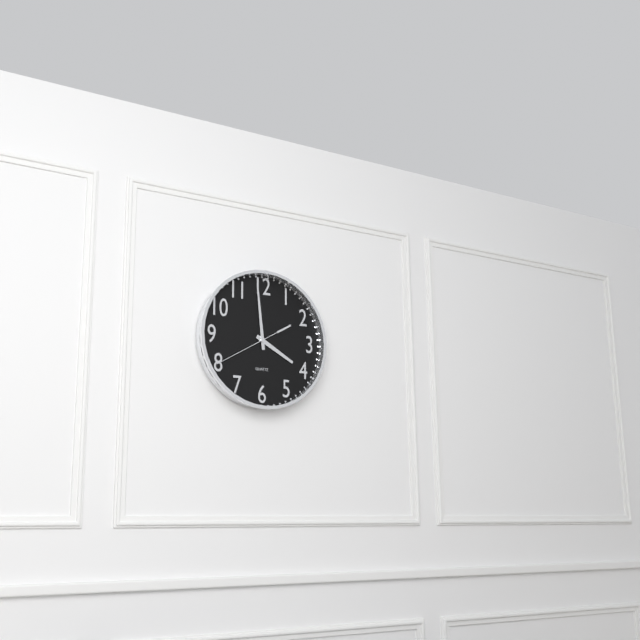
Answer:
h=3 m=59 s=40
